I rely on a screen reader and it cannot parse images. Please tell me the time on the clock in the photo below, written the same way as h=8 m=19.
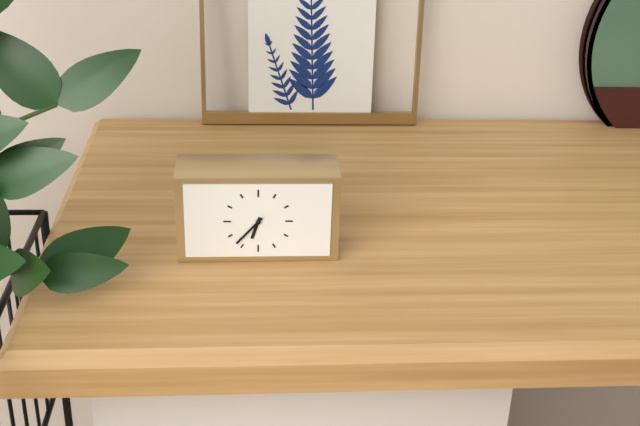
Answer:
h=6 m=37
